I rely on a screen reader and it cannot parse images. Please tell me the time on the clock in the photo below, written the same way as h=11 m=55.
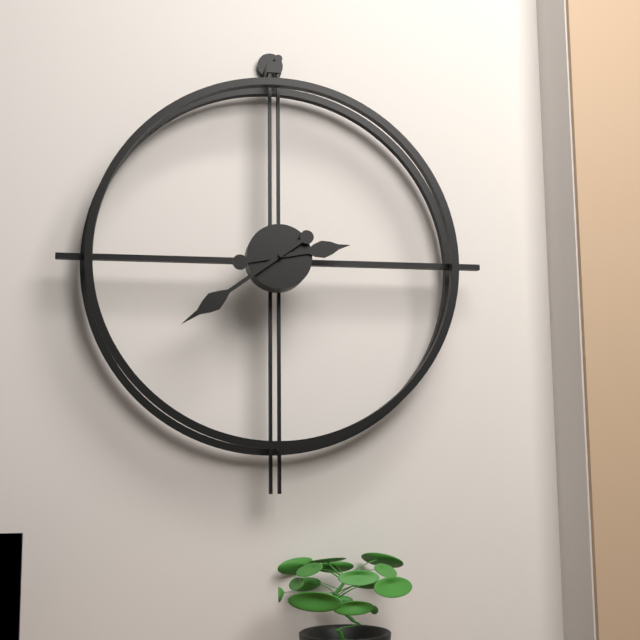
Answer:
h=2 m=39
